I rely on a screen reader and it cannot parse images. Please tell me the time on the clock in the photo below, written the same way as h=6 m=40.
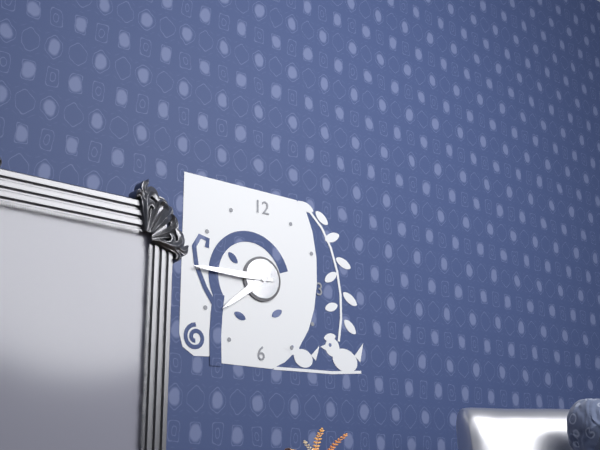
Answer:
h=7 m=45
